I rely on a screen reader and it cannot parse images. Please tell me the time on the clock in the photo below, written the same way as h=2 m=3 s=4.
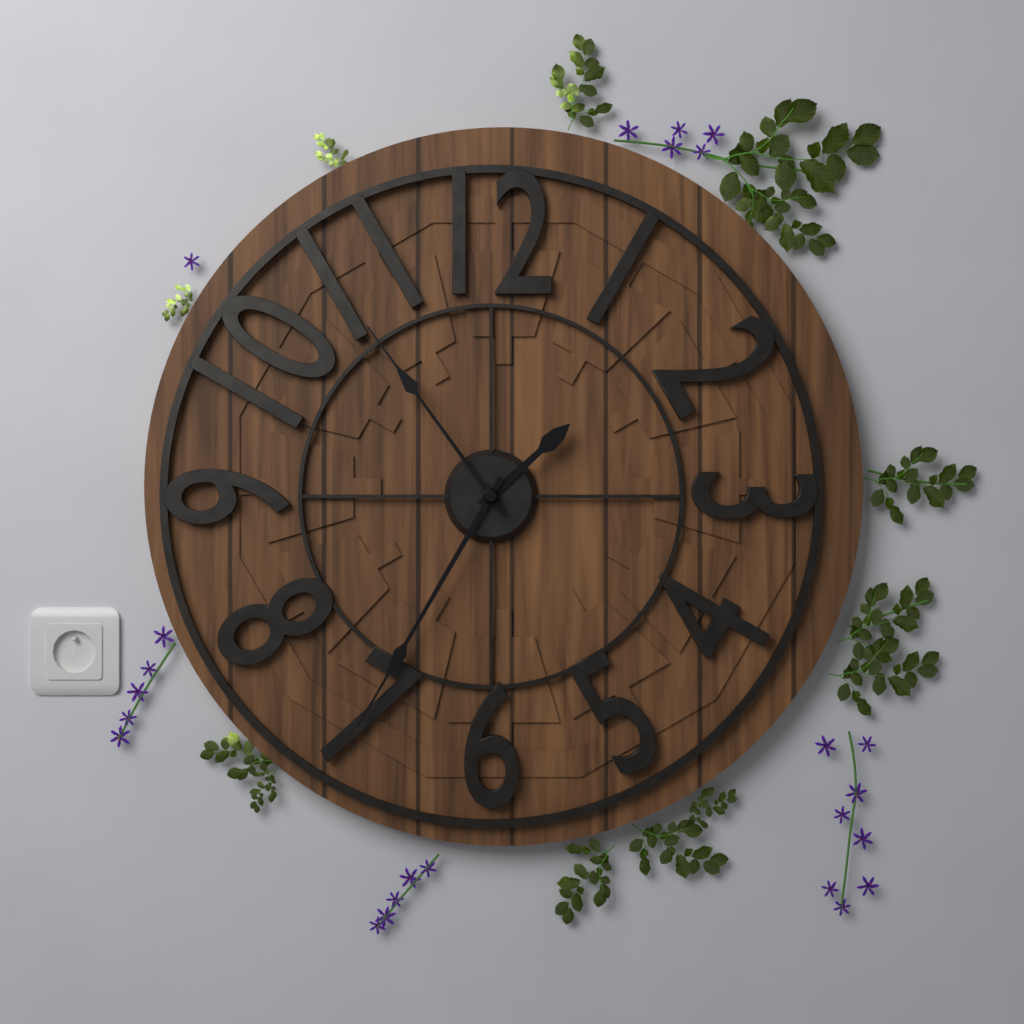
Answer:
h=1 m=35 s=54
